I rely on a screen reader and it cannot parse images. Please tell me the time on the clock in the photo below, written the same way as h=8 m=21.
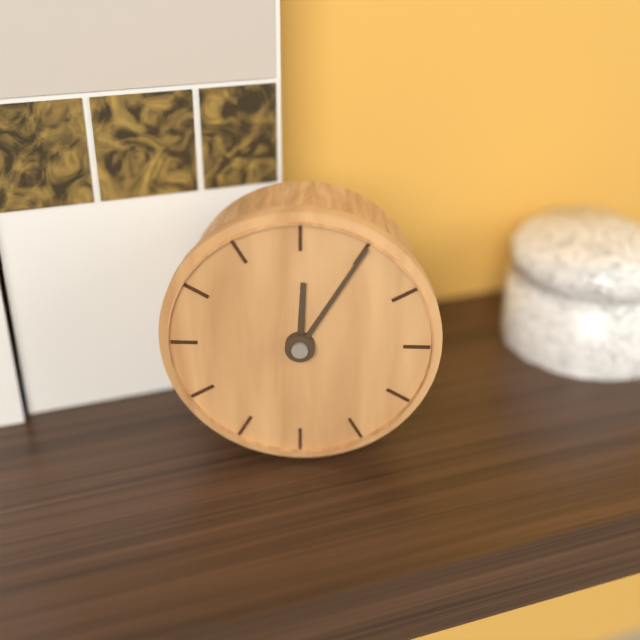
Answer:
h=12 m=5
